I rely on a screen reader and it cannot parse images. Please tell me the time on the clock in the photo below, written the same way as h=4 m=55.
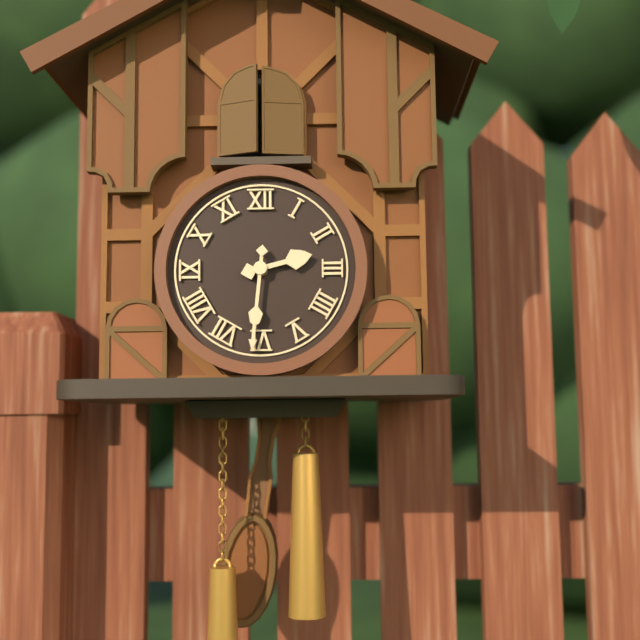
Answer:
h=2 m=31
